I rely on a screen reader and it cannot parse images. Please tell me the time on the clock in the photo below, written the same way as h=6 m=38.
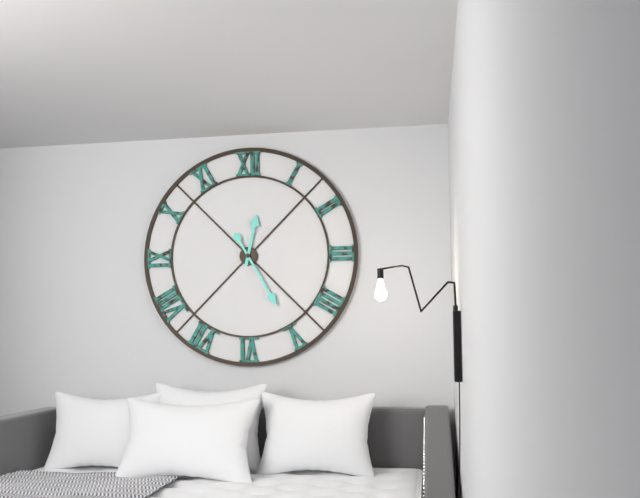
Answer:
h=12 m=25
